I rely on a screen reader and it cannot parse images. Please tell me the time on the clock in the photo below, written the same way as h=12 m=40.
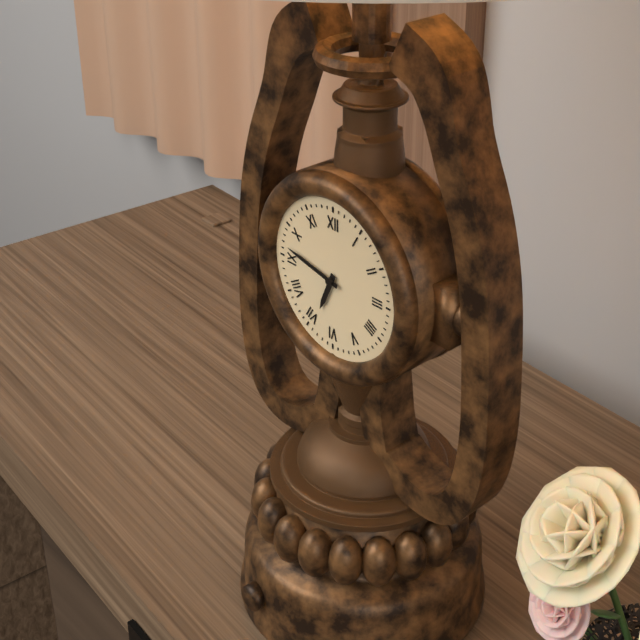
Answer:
h=6 m=47
